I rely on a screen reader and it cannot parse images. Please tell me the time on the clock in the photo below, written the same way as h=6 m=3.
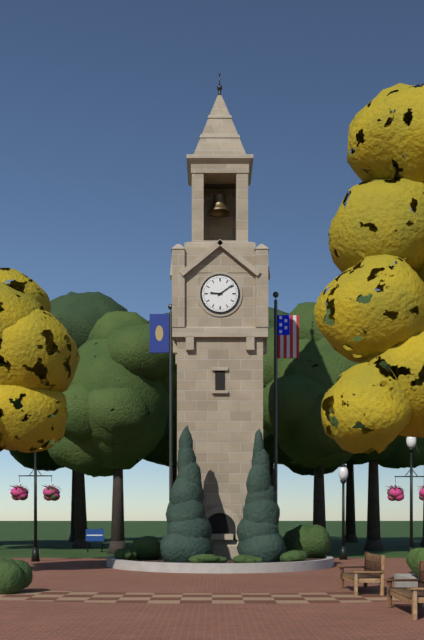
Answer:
h=9 m=9
